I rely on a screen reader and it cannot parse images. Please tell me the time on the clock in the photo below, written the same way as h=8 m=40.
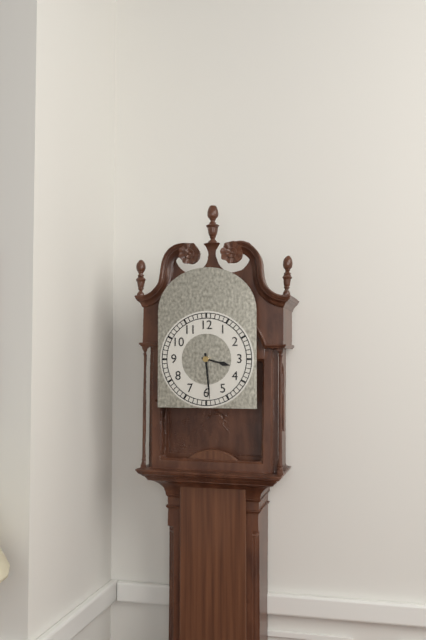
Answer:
h=3 m=29
